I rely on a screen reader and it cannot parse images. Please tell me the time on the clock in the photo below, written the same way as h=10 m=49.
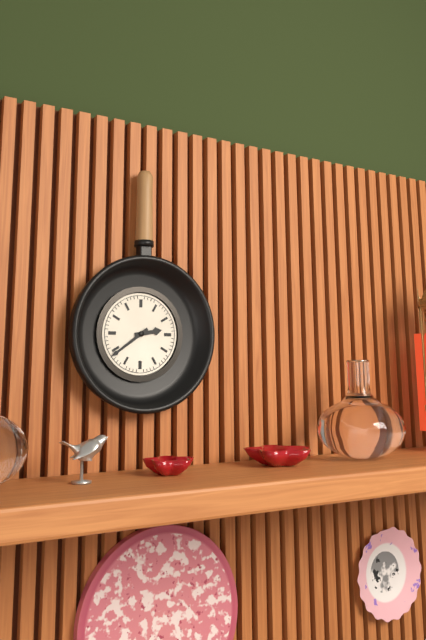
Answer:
h=2 m=39
